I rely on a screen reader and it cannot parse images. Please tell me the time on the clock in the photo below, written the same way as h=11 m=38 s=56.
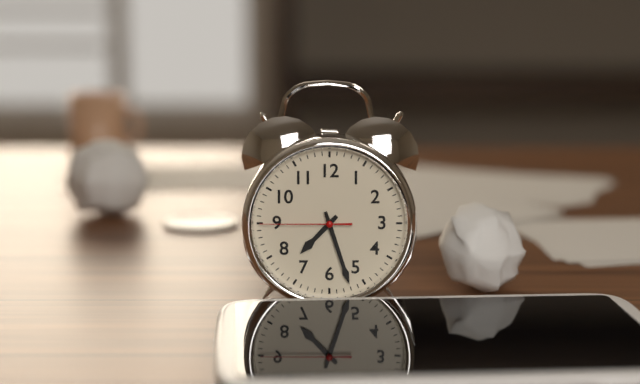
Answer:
h=7 m=27 s=45
